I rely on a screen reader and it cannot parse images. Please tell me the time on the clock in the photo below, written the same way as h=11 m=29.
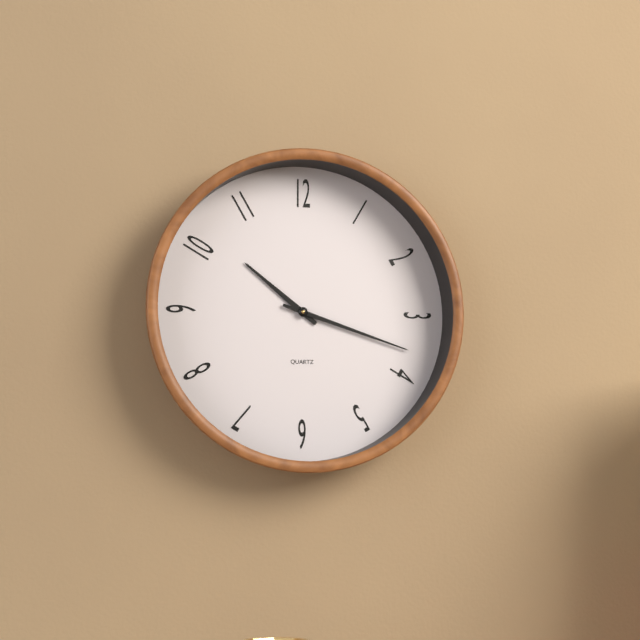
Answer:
h=10 m=18
